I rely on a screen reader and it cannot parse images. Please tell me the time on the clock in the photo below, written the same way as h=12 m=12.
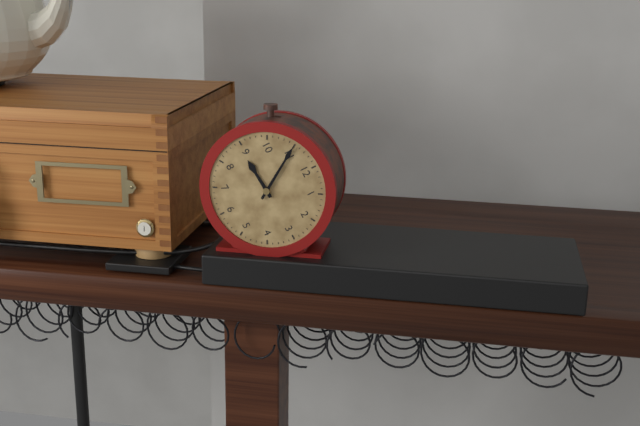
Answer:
h=8 m=55
